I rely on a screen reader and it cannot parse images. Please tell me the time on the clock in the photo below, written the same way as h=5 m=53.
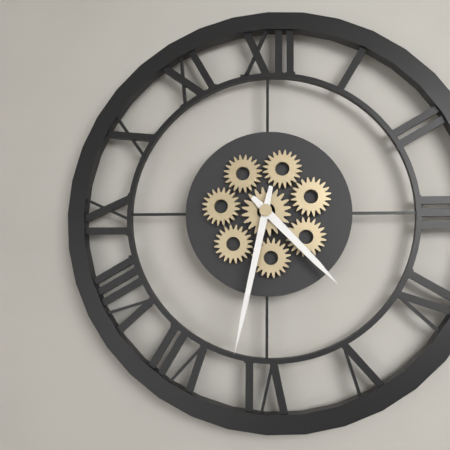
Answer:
h=4 m=32
